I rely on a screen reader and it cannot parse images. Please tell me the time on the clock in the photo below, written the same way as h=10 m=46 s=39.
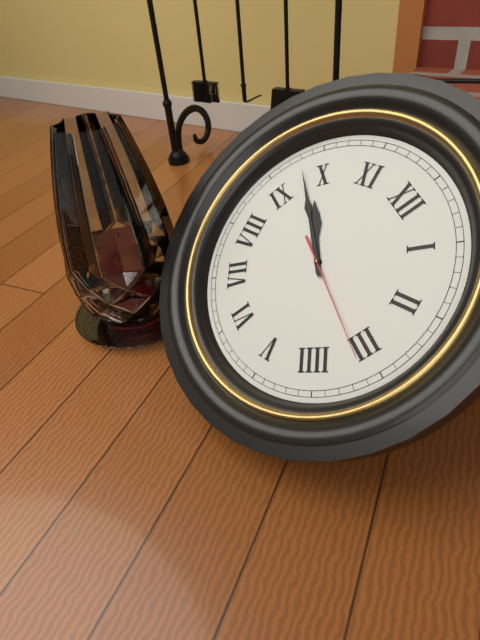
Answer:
h=9 m=48 s=16
